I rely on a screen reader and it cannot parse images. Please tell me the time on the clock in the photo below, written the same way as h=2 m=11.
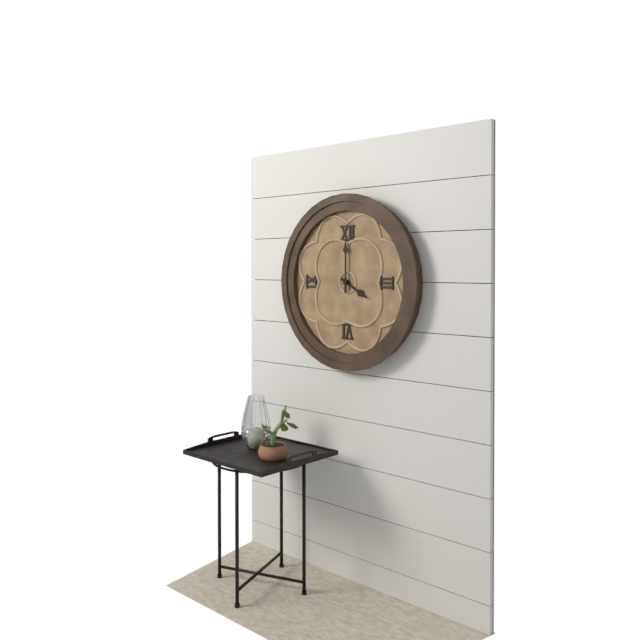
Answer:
h=4 m=0
